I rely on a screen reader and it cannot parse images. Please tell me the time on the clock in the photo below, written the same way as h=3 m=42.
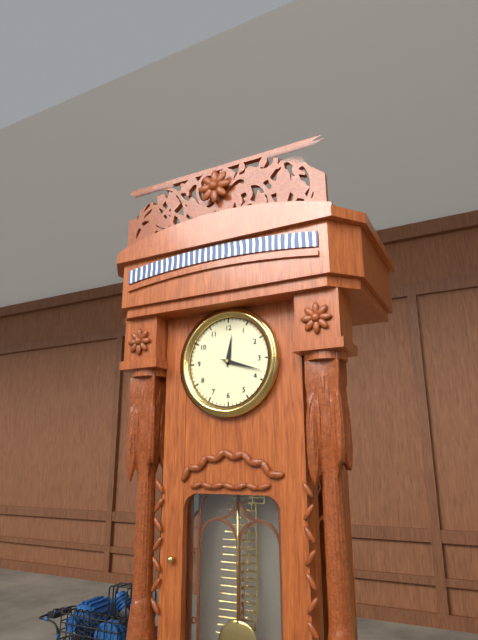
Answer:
h=12 m=18
